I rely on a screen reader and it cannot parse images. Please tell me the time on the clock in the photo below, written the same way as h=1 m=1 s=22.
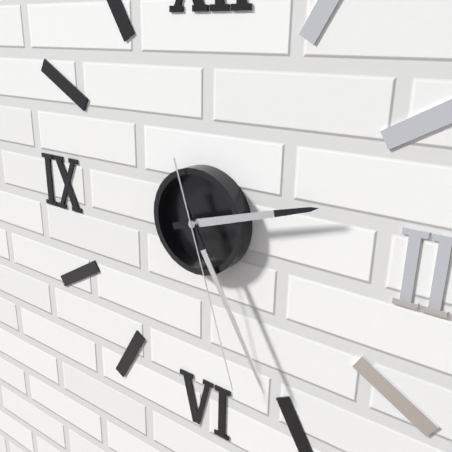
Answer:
h=2 m=25 s=27
